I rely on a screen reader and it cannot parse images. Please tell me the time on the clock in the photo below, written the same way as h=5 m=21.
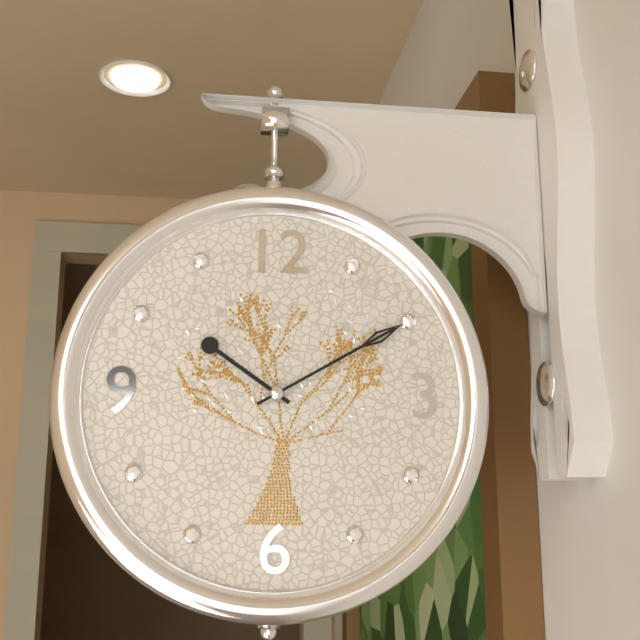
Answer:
h=10 m=10
